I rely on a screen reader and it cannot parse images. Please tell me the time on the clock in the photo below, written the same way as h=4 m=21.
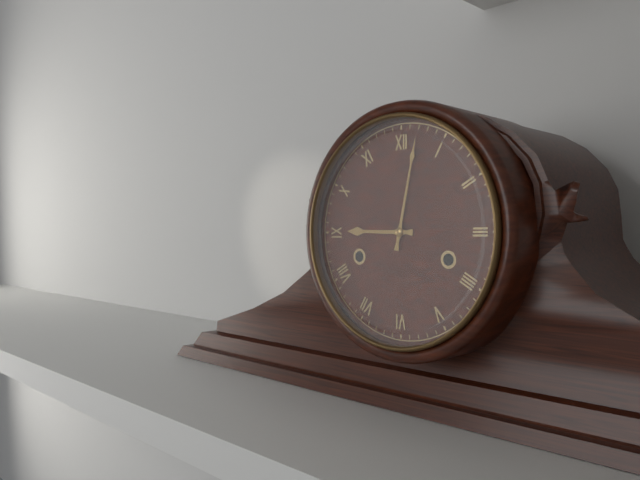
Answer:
h=9 m=2
